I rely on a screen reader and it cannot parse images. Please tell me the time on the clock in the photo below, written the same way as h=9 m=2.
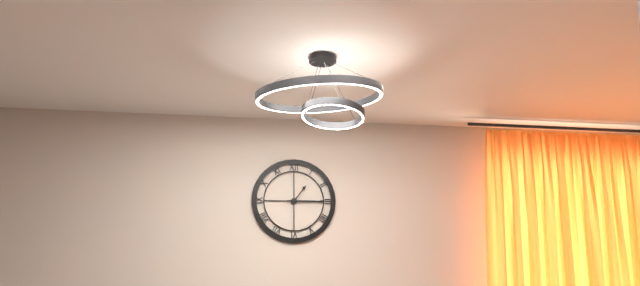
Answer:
h=1 m=15
